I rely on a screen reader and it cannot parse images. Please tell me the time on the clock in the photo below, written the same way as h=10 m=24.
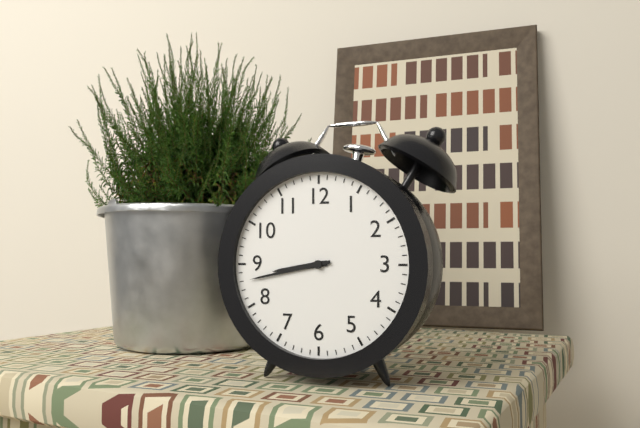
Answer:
h=8 m=43
